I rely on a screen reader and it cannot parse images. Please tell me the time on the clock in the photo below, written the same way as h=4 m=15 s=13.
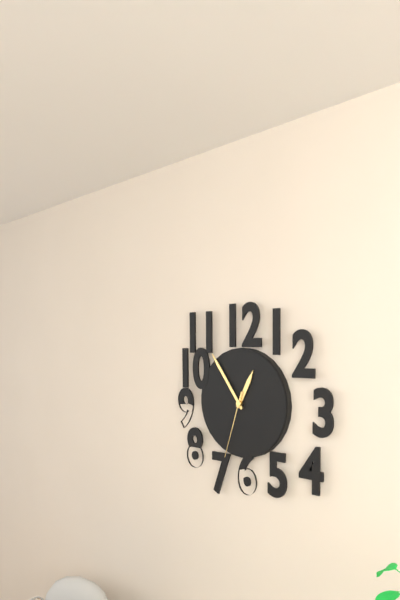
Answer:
h=12 m=54 s=33
